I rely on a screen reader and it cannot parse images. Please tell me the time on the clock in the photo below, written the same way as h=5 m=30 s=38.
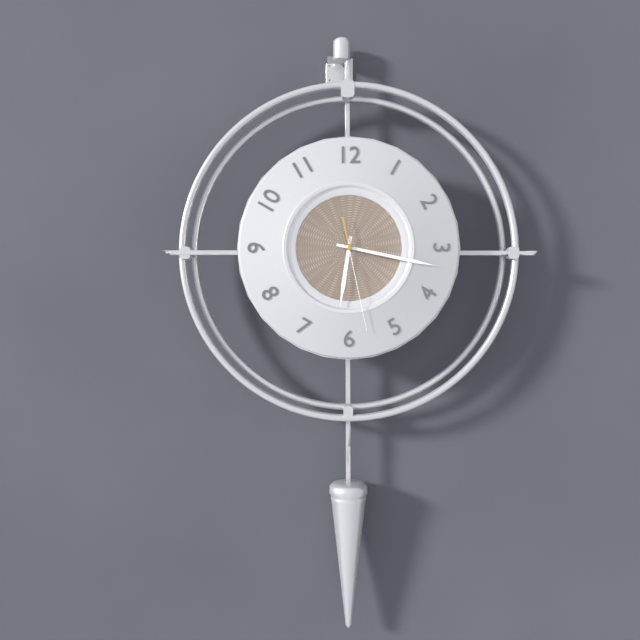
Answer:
h=6 m=17 s=28
